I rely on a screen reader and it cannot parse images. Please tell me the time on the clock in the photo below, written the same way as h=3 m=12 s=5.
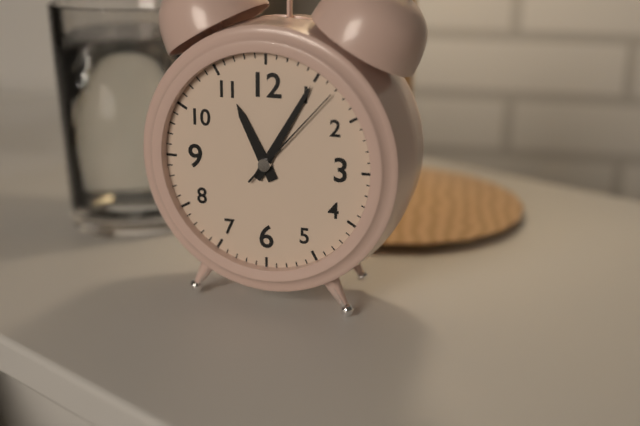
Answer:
h=11 m=5 s=7
